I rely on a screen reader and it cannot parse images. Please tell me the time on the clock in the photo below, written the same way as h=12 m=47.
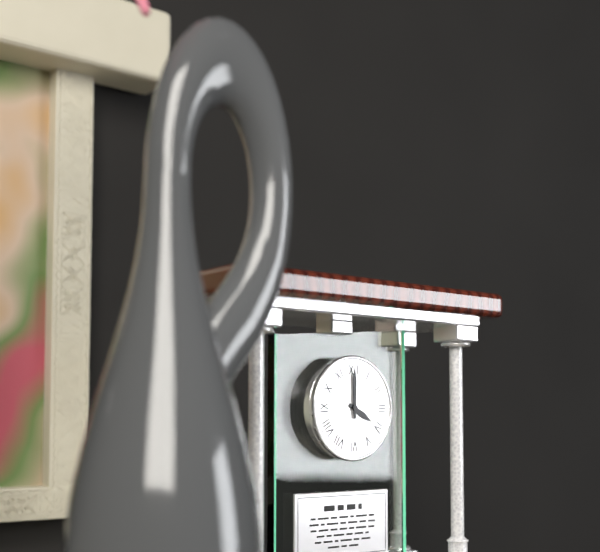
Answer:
h=4 m=0
